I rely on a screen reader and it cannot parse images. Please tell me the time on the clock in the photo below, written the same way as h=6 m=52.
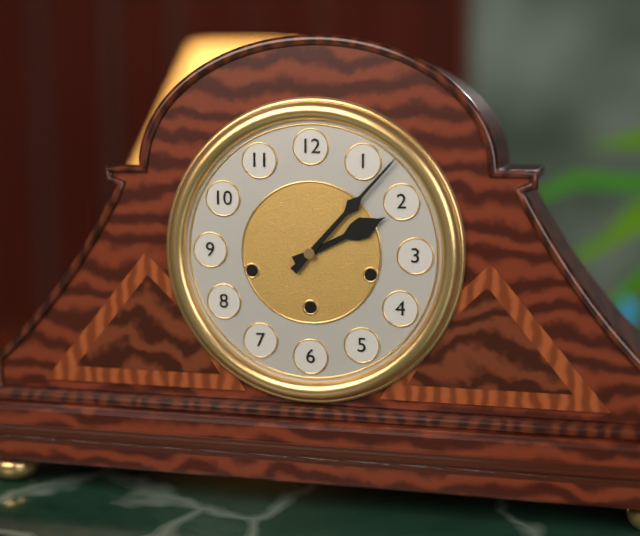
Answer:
h=2 m=7
